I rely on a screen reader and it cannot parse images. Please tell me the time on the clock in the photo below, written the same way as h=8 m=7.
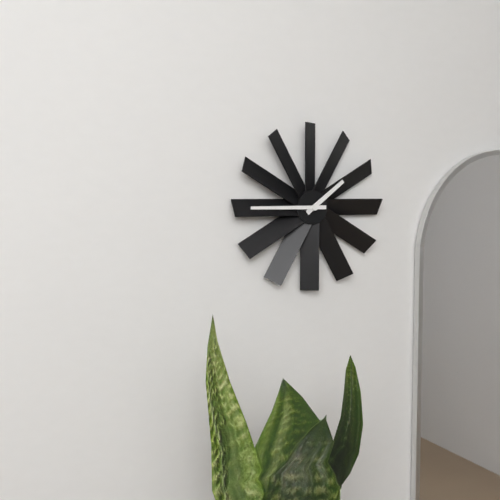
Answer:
h=1 m=45
